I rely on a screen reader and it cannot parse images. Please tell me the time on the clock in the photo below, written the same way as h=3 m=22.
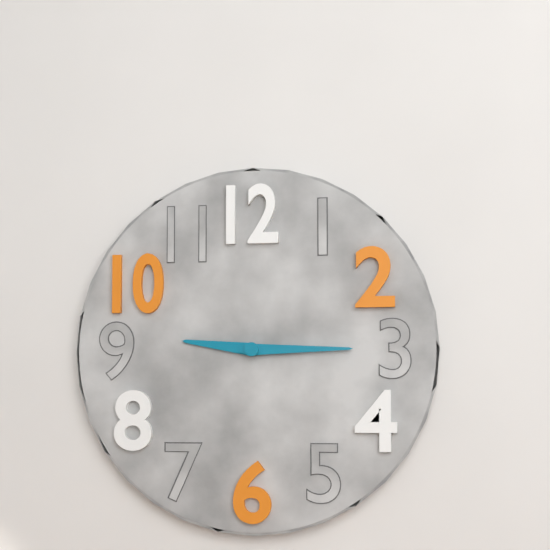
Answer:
h=9 m=15
